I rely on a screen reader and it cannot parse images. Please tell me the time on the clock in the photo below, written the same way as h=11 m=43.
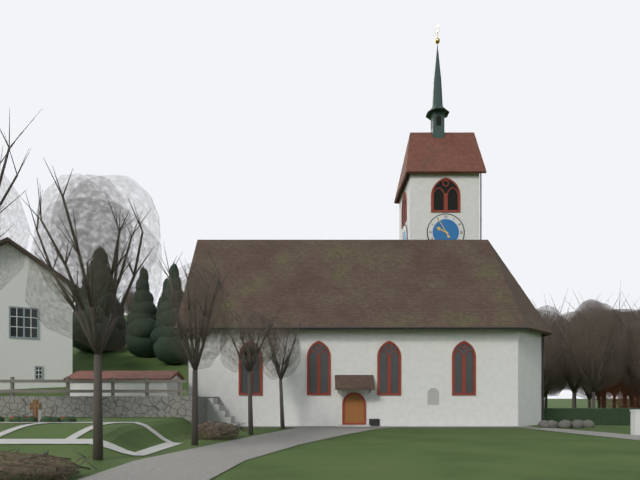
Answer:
h=9 m=55
